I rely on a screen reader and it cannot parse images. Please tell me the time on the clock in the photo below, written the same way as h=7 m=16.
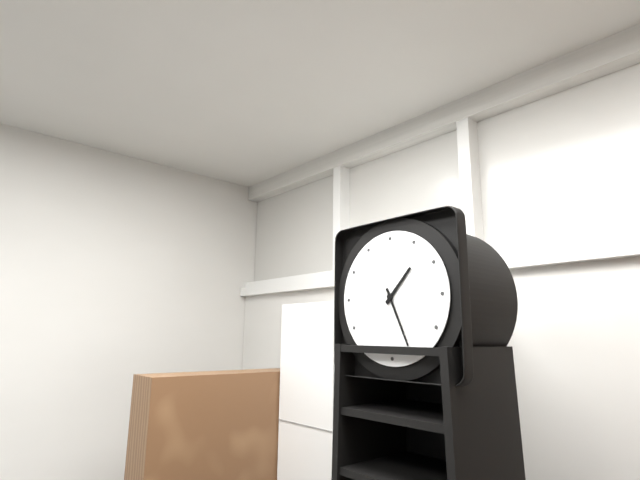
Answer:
h=1 m=26
